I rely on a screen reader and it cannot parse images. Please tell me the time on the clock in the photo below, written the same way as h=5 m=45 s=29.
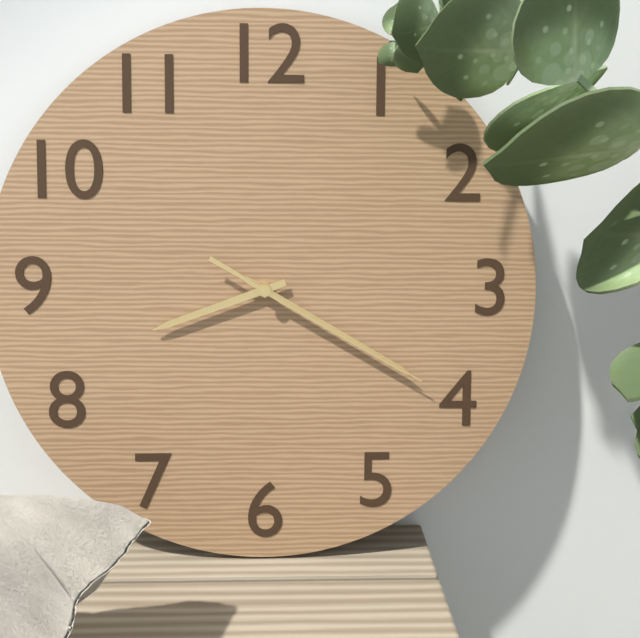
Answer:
h=8 m=20 s=20
